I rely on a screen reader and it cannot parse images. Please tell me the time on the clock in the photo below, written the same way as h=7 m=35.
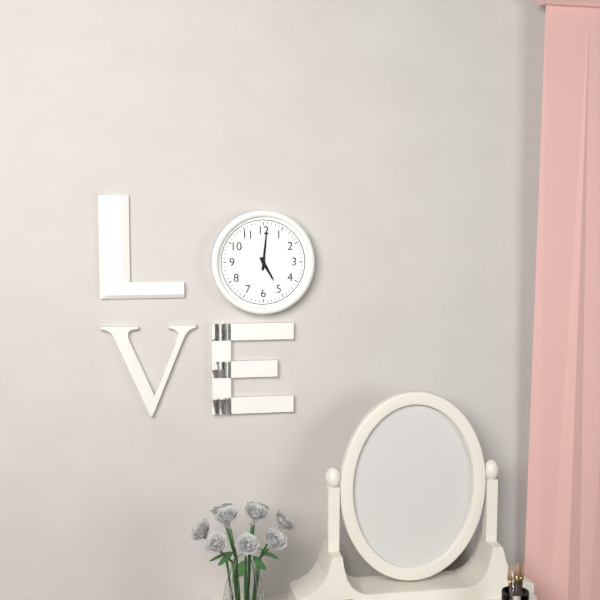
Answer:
h=5 m=1
